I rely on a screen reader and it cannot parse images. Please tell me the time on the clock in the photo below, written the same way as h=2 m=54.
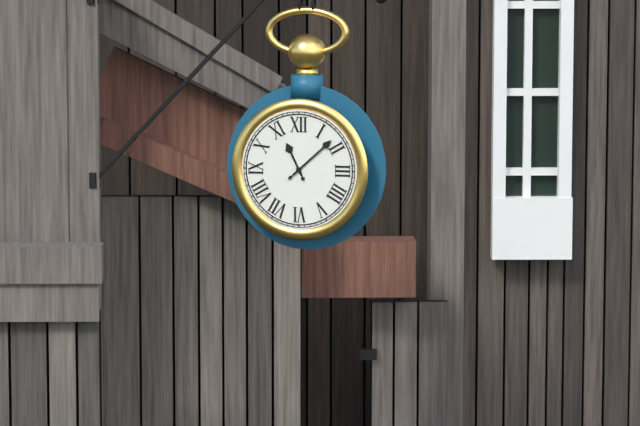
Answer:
h=11 m=8
